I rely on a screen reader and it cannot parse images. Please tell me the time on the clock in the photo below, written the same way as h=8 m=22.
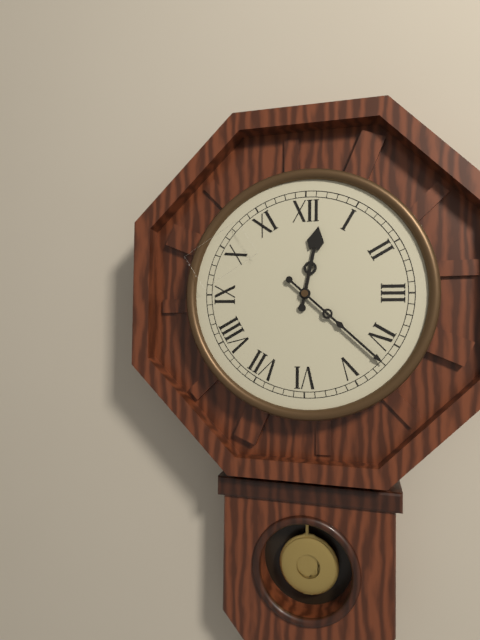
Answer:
h=12 m=22
